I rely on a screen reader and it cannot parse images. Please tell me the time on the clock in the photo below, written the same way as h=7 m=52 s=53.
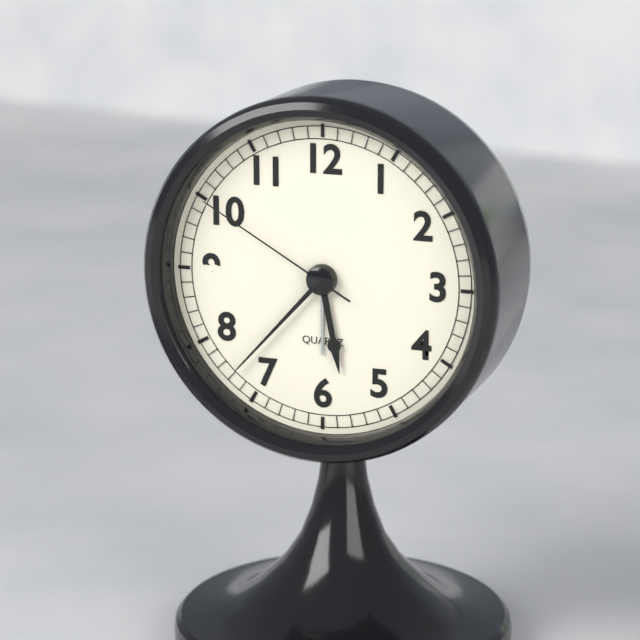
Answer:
h=5 m=37 s=50
